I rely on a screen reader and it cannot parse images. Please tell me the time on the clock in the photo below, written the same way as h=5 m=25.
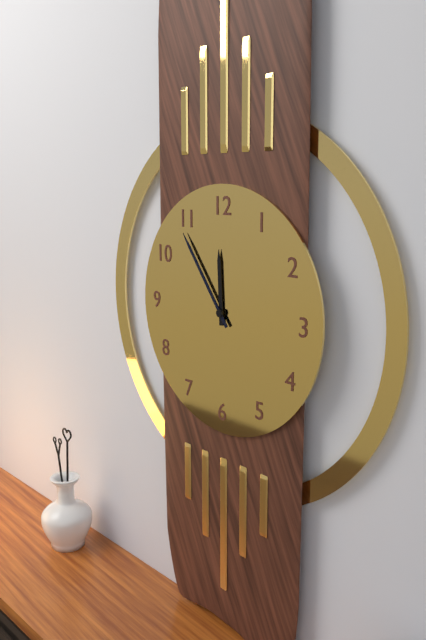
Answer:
h=11 m=54
